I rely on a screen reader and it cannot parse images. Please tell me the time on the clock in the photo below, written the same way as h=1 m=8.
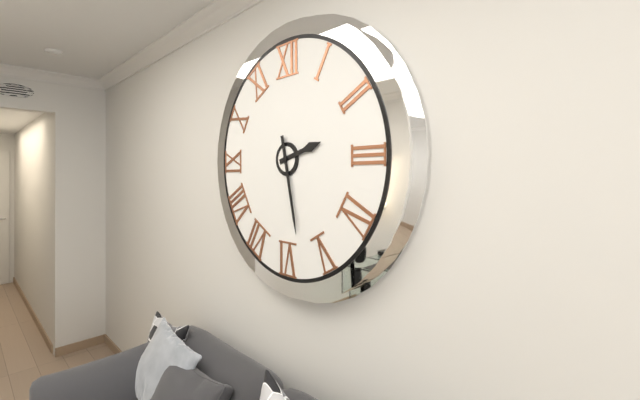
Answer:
h=2 m=28
